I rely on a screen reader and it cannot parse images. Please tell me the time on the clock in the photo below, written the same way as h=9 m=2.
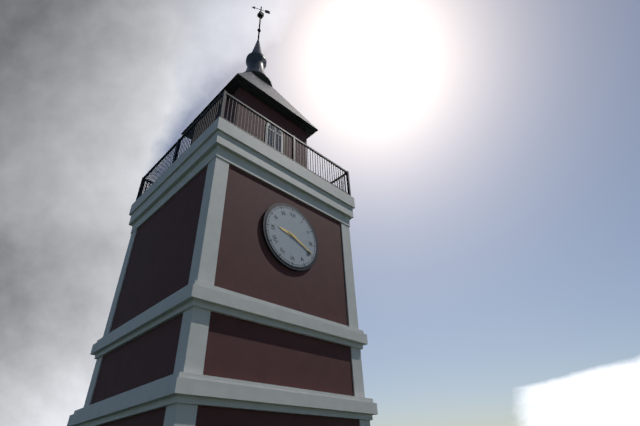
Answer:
h=9 m=19
